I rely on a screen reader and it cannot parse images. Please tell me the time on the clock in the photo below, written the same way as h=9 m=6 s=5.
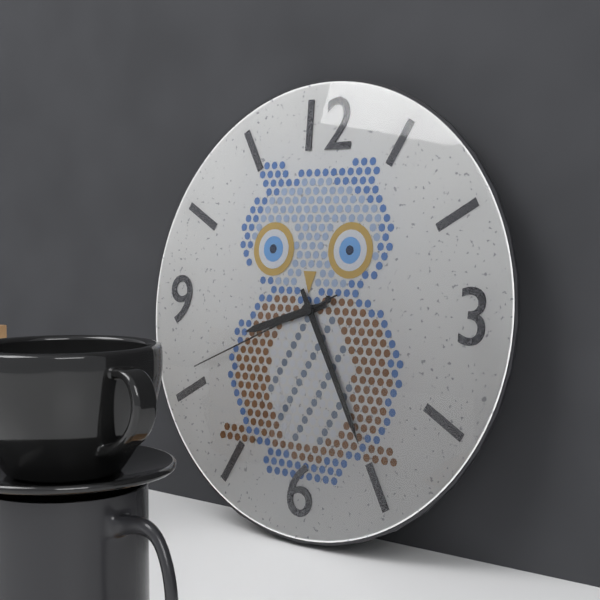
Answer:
h=8 m=25 s=41
